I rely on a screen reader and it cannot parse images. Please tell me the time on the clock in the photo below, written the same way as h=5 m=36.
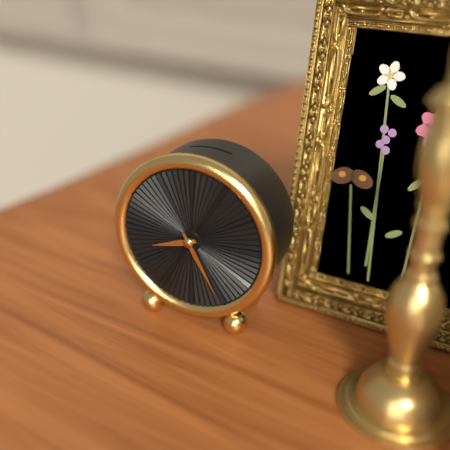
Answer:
h=8 m=25
